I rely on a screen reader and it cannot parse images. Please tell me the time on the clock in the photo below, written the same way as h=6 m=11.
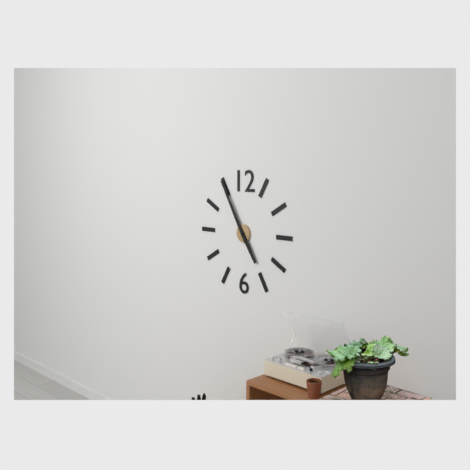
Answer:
h=4 m=55
